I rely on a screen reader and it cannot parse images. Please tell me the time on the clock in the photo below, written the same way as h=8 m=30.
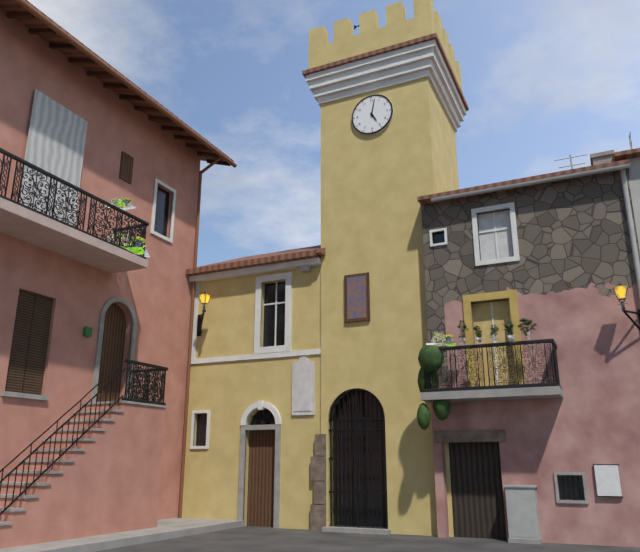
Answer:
h=5 m=2
